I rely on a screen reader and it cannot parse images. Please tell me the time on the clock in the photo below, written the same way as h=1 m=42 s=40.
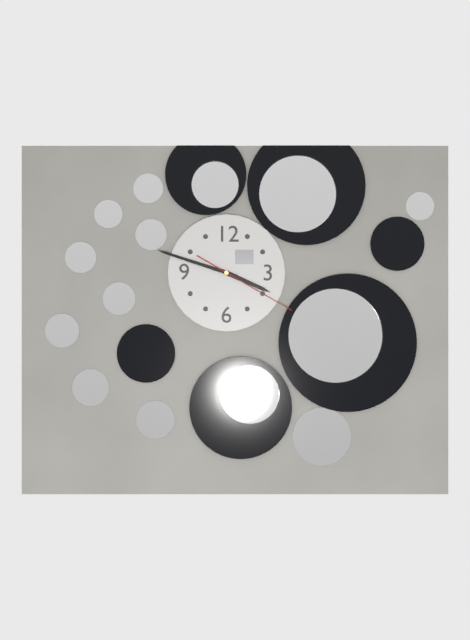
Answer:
h=3 m=48 s=20
